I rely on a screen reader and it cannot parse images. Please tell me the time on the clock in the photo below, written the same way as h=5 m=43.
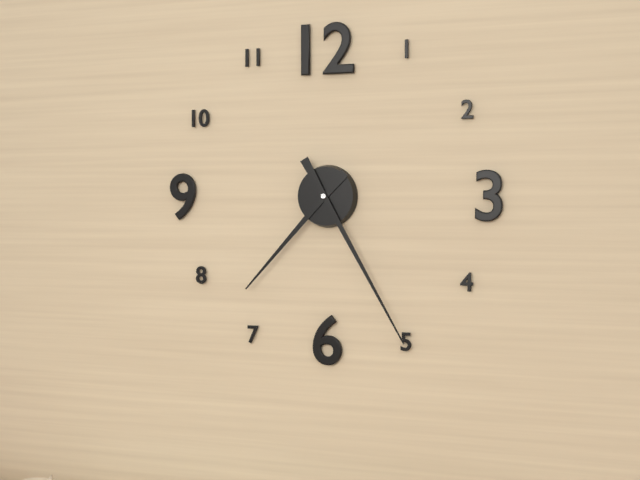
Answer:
h=7 m=25
